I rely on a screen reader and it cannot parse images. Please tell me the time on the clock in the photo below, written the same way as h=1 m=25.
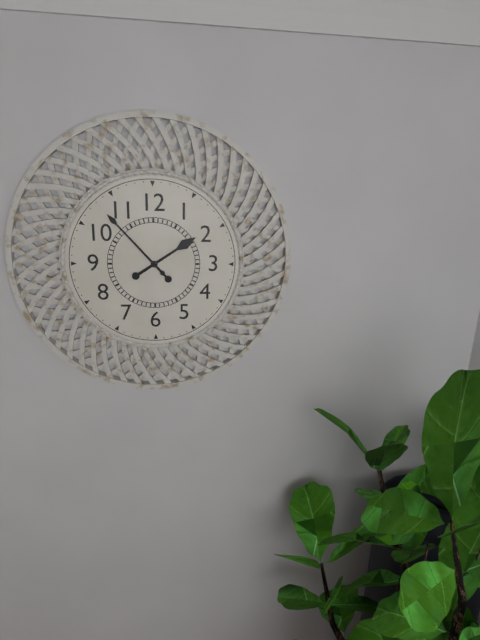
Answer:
h=1 m=53
